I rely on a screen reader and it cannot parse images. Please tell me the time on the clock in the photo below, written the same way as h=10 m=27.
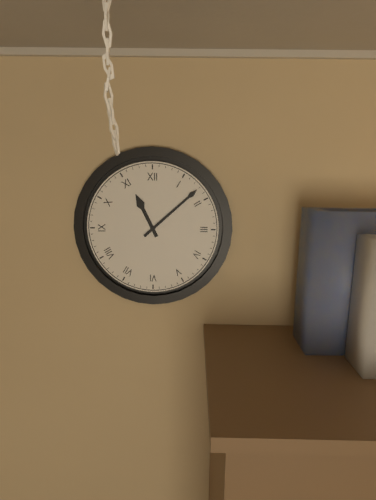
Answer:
h=11 m=8
